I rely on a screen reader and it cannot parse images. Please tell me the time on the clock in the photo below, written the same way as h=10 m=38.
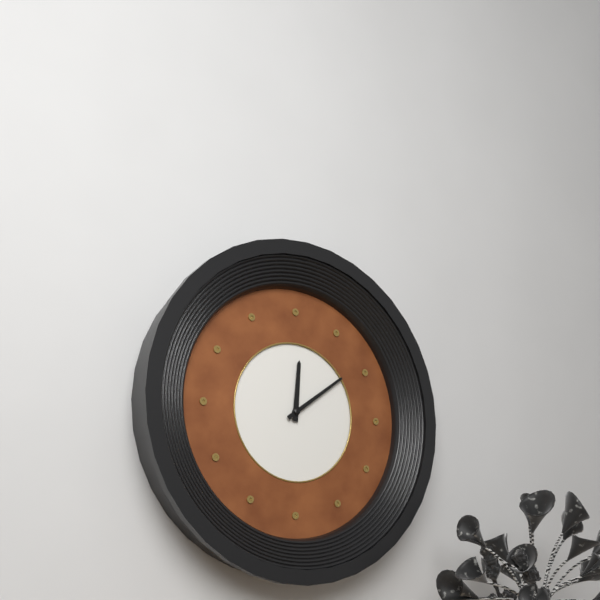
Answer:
h=12 m=9
